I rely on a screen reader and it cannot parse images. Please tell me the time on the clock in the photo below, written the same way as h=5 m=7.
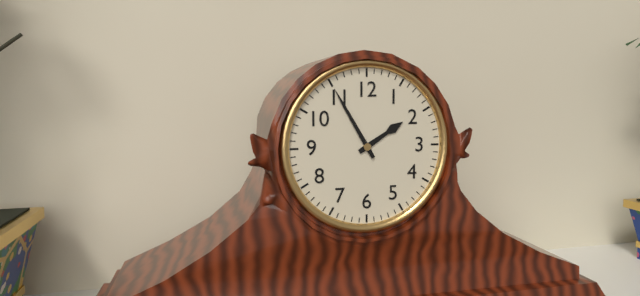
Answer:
h=1 m=55
